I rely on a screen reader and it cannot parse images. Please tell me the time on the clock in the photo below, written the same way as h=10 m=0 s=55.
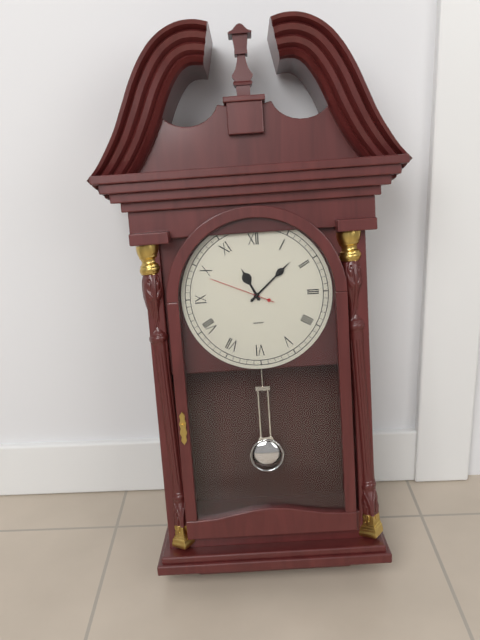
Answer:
h=11 m=8 s=49
